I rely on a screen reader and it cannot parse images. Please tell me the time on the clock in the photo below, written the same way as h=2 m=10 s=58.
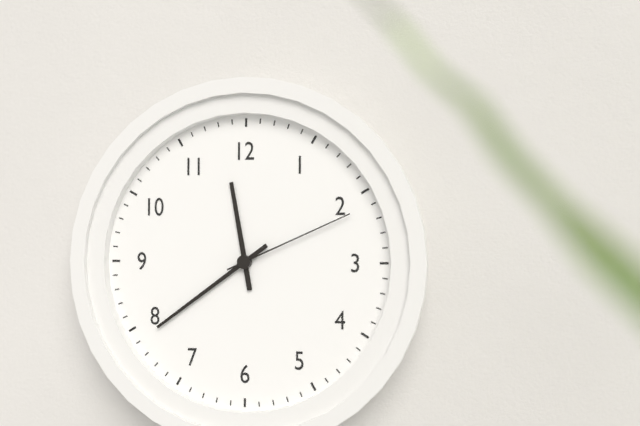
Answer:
h=11 m=39 s=11
